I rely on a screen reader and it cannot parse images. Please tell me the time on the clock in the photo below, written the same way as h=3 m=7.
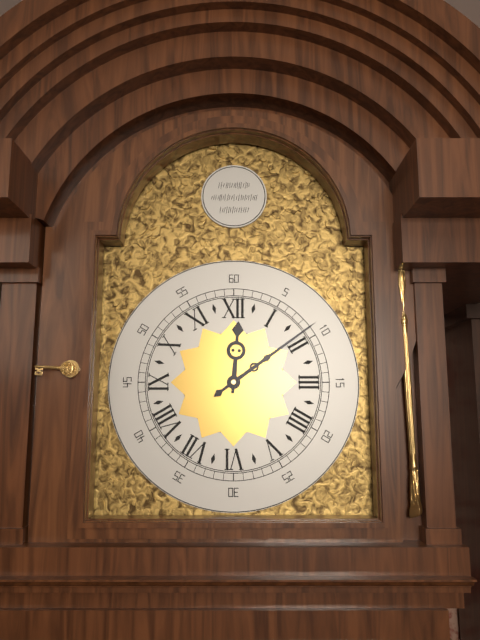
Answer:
h=12 m=9
